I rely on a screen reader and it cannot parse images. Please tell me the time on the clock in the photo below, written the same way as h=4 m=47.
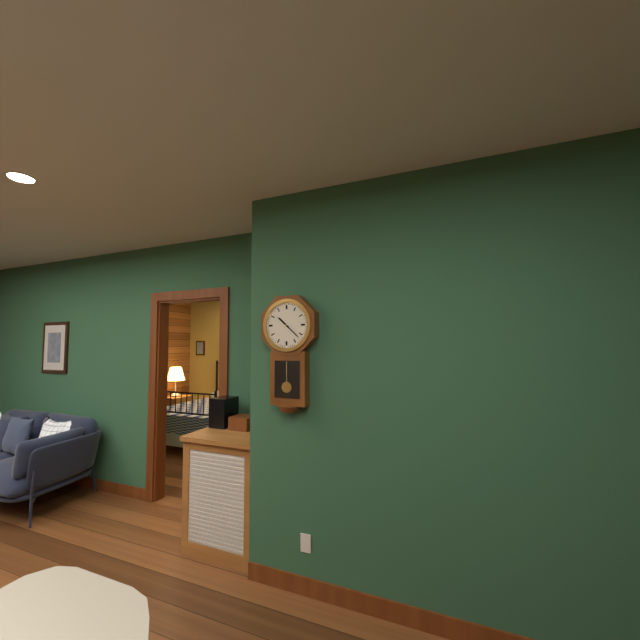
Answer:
h=10 m=22
